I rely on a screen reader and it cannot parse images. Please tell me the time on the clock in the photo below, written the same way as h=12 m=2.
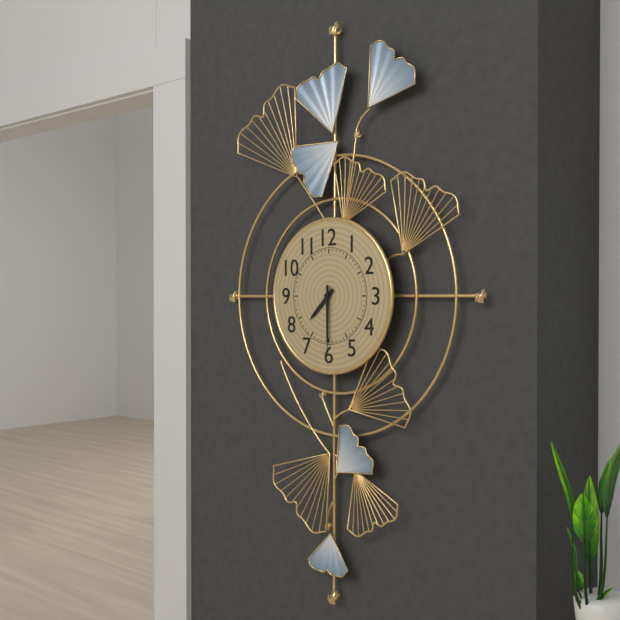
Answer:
h=7 m=30
